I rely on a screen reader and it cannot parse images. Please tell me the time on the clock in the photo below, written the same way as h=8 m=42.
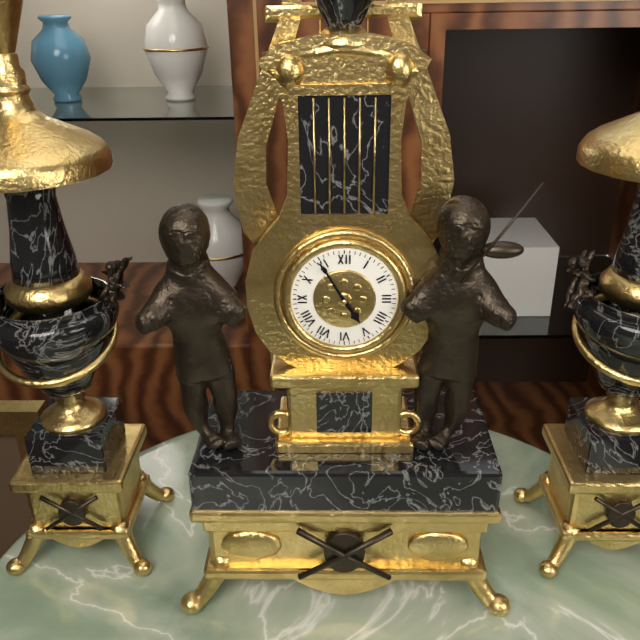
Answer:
h=4 m=55
